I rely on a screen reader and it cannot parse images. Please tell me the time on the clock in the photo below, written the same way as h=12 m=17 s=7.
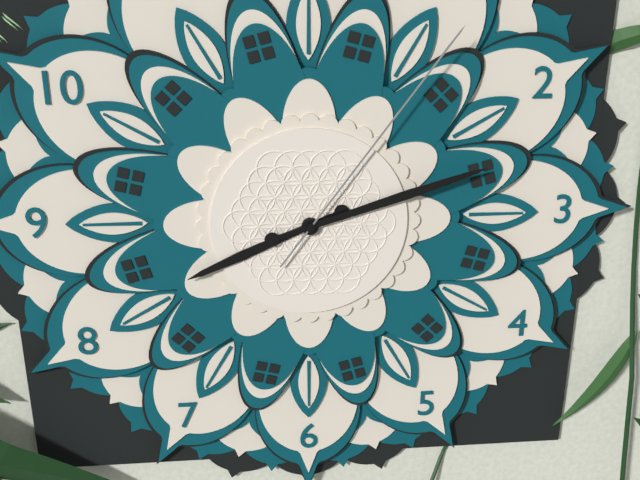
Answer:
h=8 m=12 s=6
